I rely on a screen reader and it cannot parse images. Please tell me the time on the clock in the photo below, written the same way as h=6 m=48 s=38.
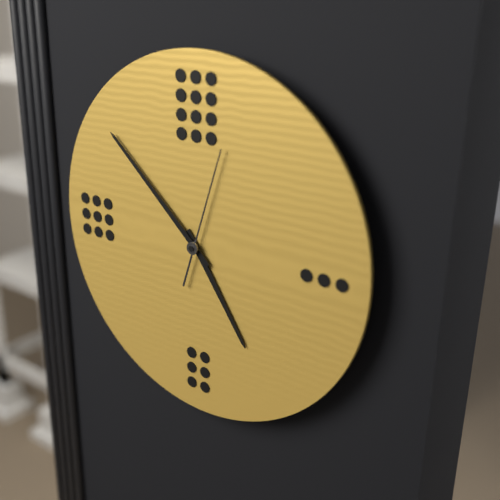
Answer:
h=4 m=52 s=3
